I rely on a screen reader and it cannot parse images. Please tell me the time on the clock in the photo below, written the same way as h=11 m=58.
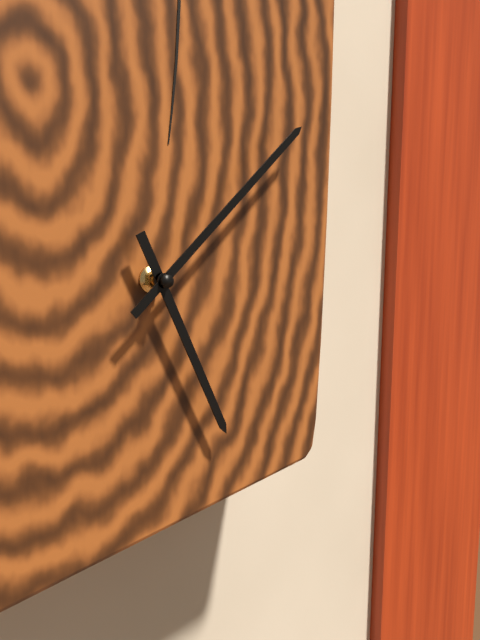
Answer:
h=5 m=8
